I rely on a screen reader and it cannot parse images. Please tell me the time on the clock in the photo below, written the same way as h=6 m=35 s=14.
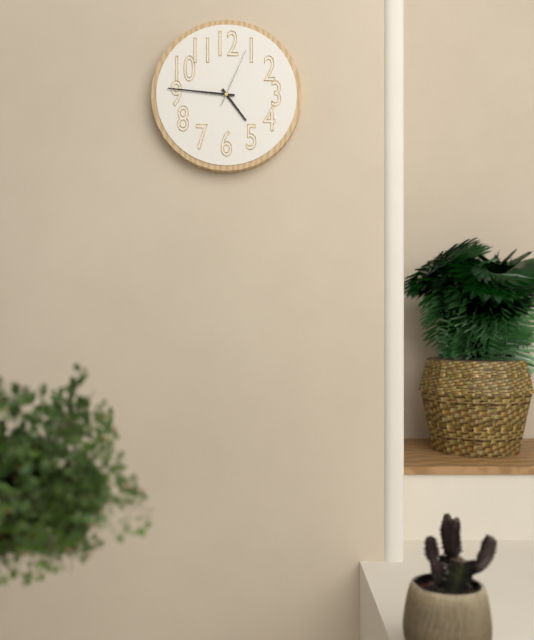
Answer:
h=4 m=46 s=4
